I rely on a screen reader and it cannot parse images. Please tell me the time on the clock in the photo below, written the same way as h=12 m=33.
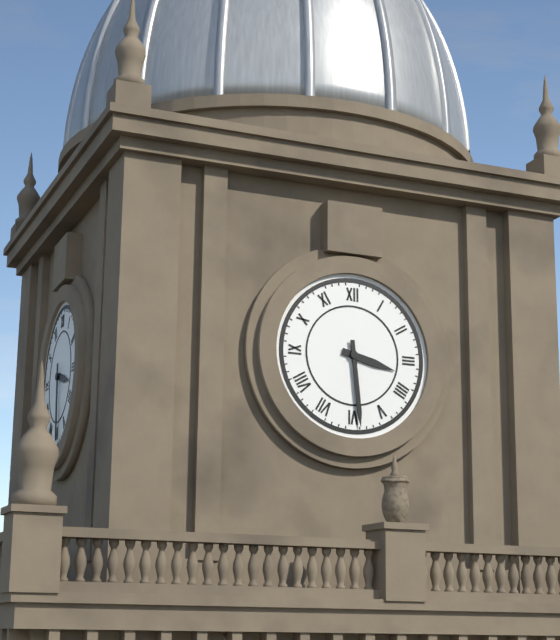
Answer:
h=3 m=29
